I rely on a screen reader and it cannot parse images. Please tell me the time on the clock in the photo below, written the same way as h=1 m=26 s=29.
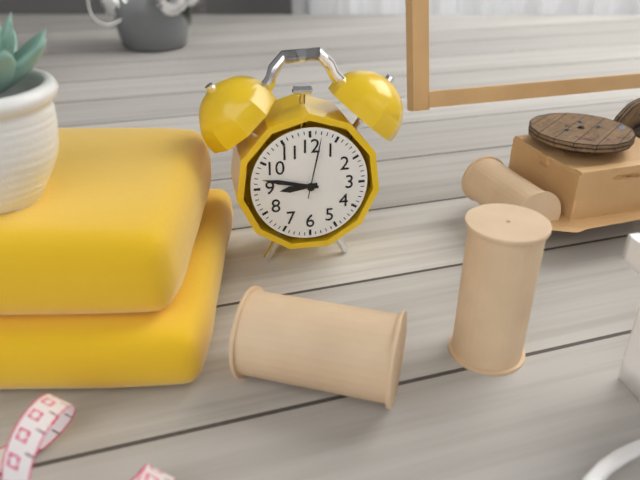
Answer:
h=8 m=47 s=2
